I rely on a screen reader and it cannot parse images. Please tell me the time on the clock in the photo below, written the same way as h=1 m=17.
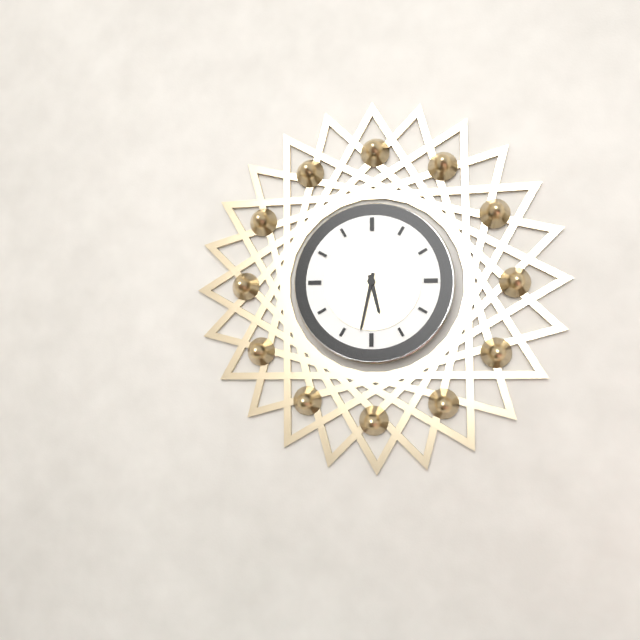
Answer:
h=5 m=32
